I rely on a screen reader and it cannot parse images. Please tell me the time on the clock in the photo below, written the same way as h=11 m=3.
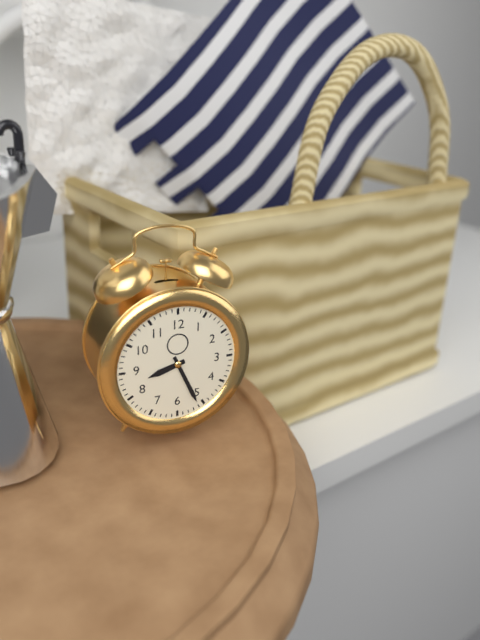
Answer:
h=8 m=26
